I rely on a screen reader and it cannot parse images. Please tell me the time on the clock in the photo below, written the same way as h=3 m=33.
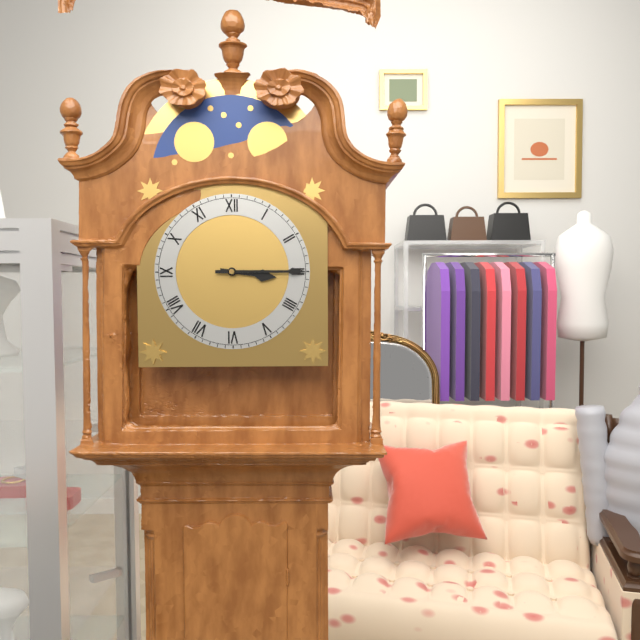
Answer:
h=3 m=15
